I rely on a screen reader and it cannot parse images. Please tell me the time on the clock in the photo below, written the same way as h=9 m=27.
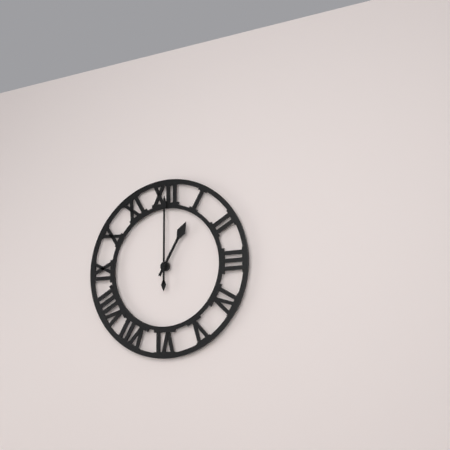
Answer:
h=1 m=0
